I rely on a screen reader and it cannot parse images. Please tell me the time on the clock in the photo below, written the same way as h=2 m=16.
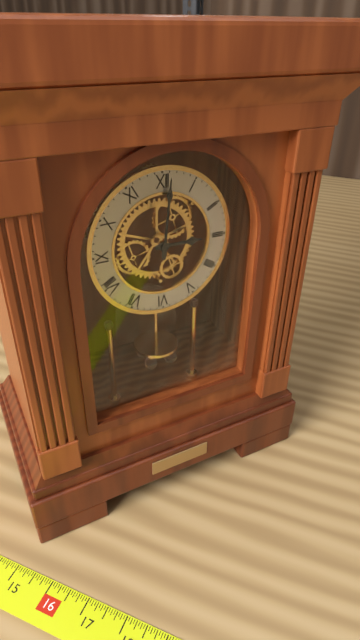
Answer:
h=3 m=1
